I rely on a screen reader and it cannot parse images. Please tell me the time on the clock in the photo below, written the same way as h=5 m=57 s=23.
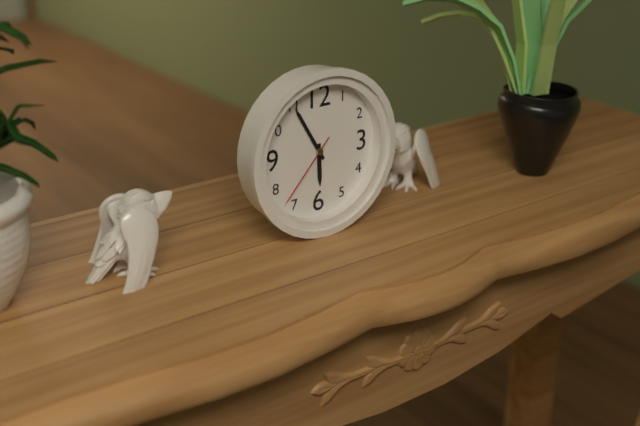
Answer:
h=5 m=55 s=37
